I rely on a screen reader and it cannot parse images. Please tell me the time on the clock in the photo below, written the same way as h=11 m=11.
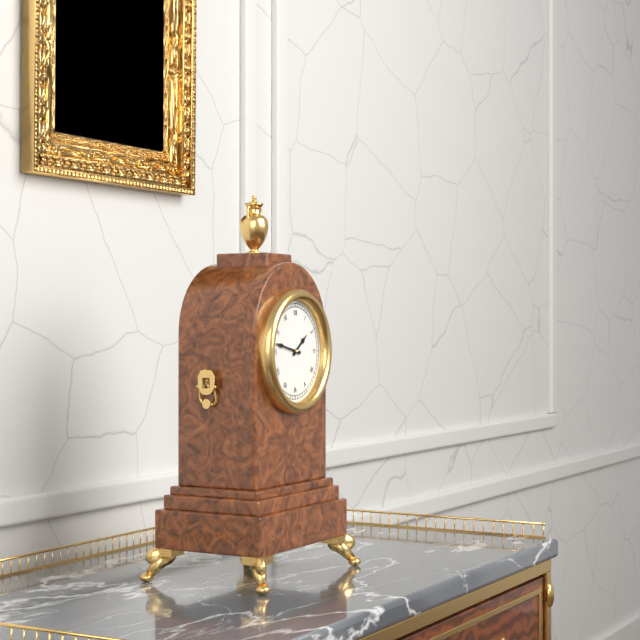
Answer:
h=1 m=47
